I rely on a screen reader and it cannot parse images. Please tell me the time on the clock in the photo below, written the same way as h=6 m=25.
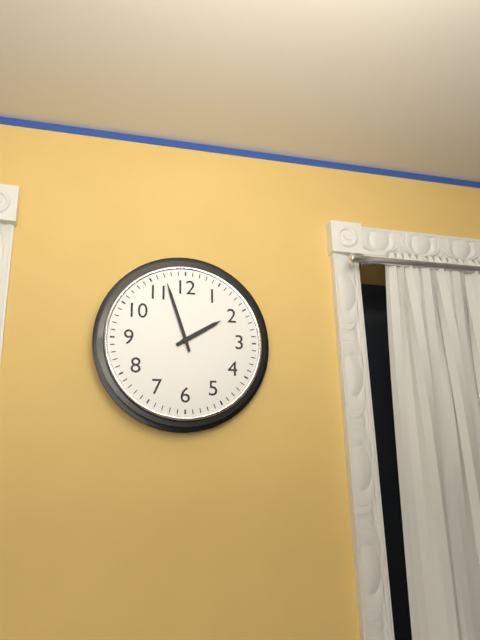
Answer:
h=1 m=57
